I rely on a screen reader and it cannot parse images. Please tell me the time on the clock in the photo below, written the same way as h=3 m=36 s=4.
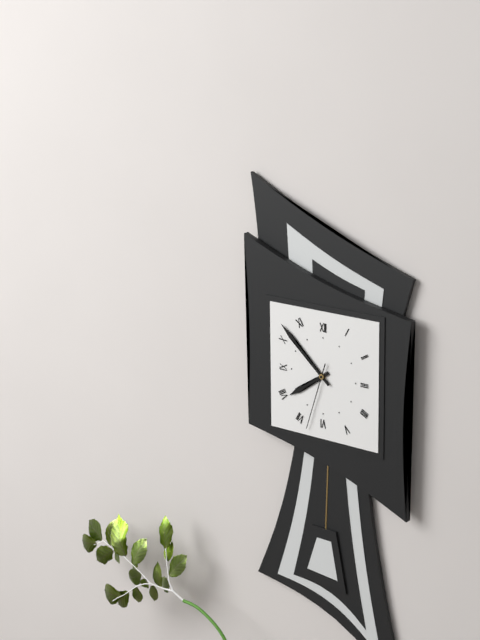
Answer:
h=7 m=52 s=33
